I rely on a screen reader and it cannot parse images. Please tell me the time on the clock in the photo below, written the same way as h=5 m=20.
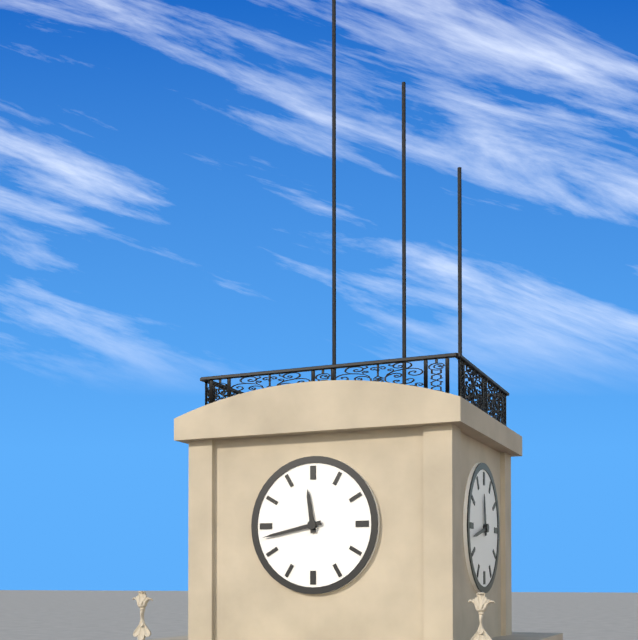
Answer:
h=11 m=43
